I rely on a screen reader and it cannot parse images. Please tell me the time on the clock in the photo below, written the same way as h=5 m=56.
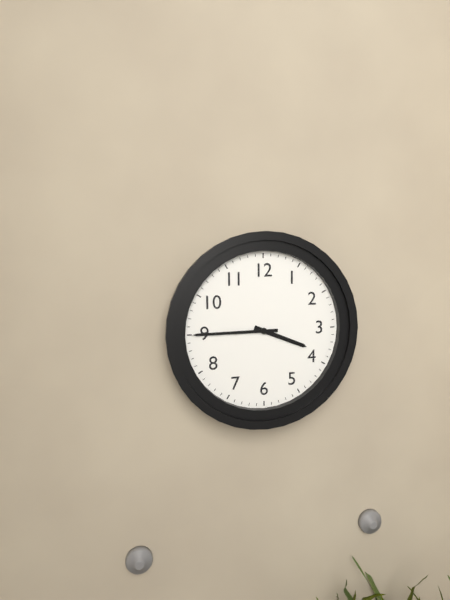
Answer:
h=3 m=45
